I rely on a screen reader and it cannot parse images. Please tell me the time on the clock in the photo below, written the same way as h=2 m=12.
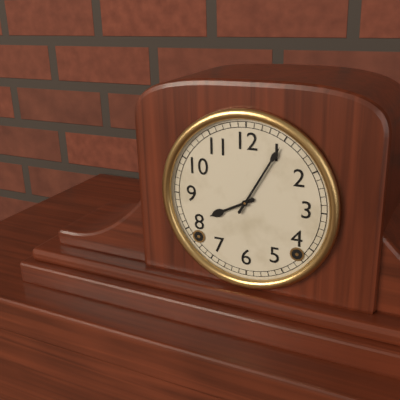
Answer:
h=8 m=5
